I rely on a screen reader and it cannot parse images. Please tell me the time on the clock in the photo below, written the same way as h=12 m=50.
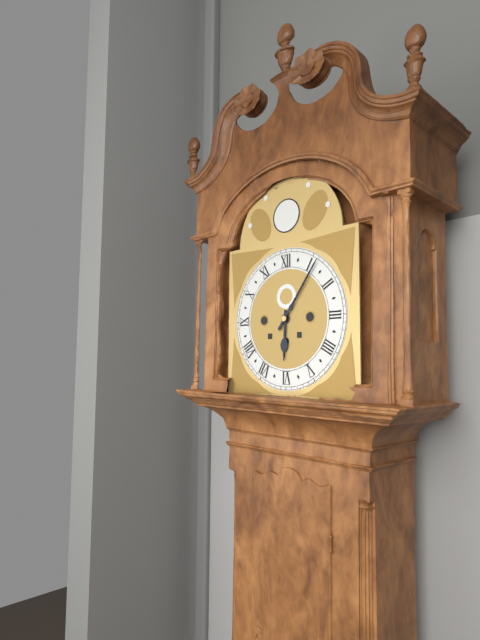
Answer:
h=6 m=6
